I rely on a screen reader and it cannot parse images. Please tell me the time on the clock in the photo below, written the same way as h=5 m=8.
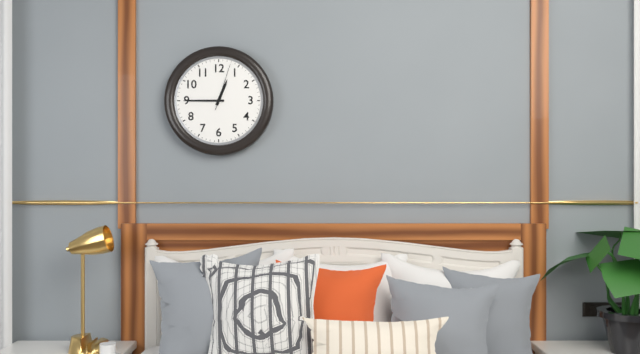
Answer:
h=12 m=45
